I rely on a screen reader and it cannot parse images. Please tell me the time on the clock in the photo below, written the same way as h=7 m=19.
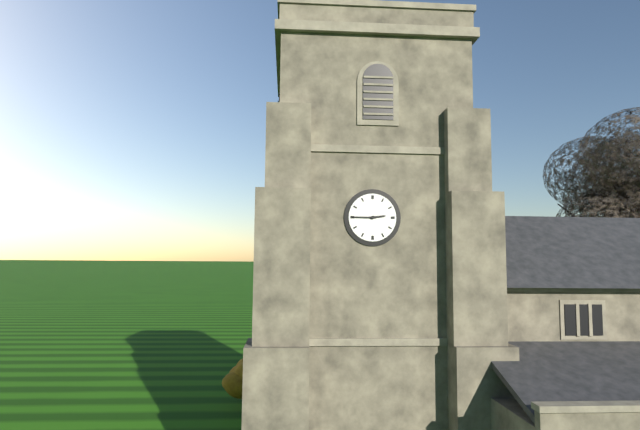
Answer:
h=2 m=45
